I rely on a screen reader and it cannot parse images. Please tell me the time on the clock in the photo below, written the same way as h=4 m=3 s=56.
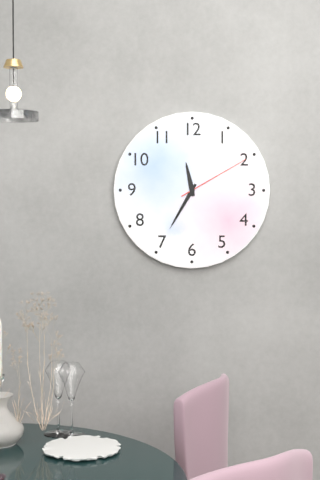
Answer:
h=11 m=35 s=10
